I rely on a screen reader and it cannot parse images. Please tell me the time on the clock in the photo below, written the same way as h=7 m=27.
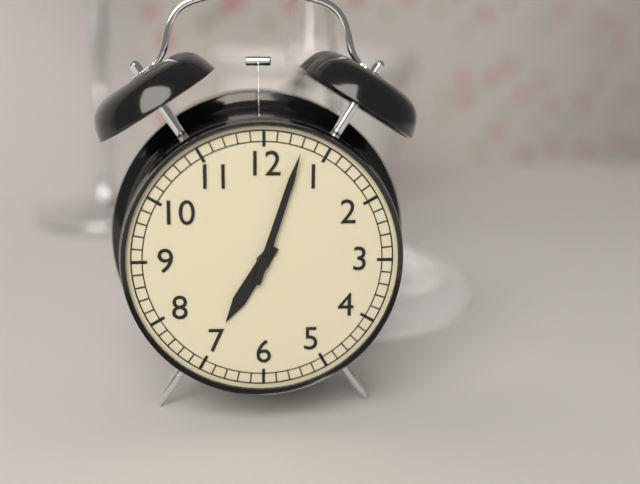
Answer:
h=7 m=3
